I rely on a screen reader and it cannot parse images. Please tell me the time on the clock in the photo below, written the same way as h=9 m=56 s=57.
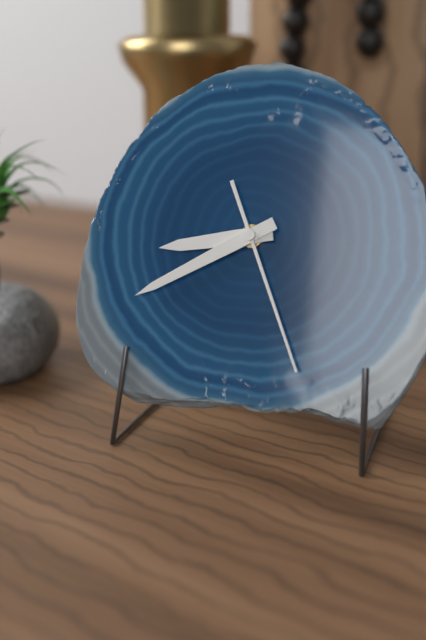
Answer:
h=8 m=40 s=26
